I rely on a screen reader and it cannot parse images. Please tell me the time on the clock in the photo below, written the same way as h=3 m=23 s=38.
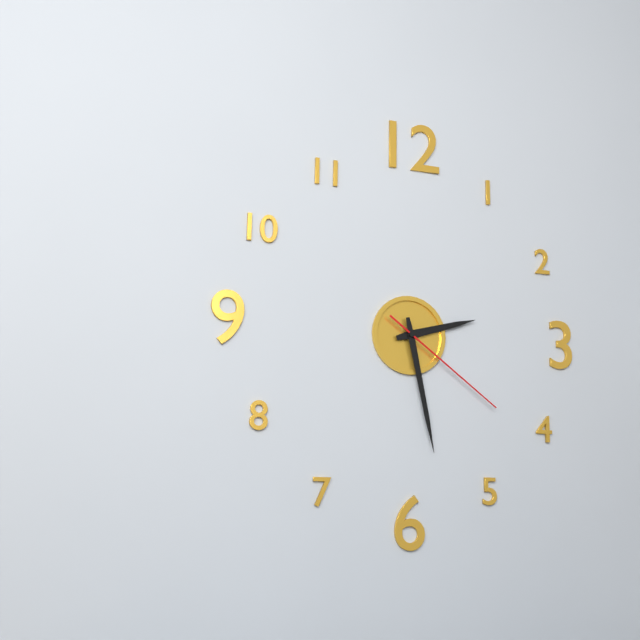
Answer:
h=2 m=28 s=21
